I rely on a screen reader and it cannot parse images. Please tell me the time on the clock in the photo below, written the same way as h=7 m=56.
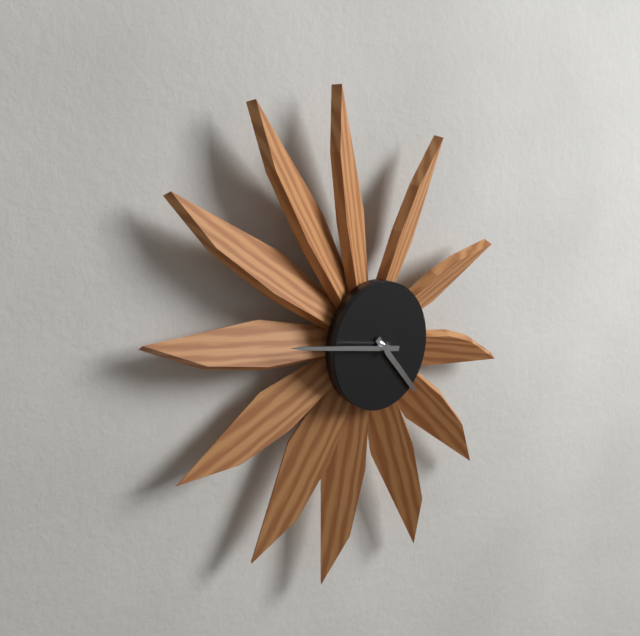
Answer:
h=4 m=47
